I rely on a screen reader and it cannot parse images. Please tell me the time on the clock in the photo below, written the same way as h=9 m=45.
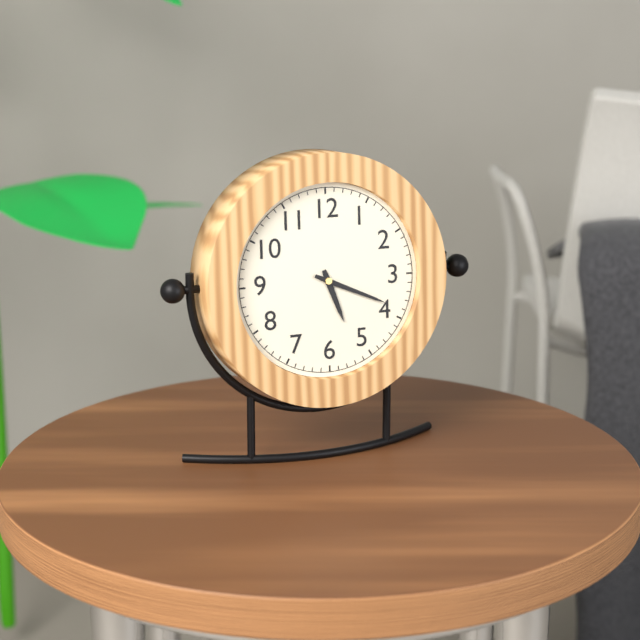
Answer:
h=5 m=19
